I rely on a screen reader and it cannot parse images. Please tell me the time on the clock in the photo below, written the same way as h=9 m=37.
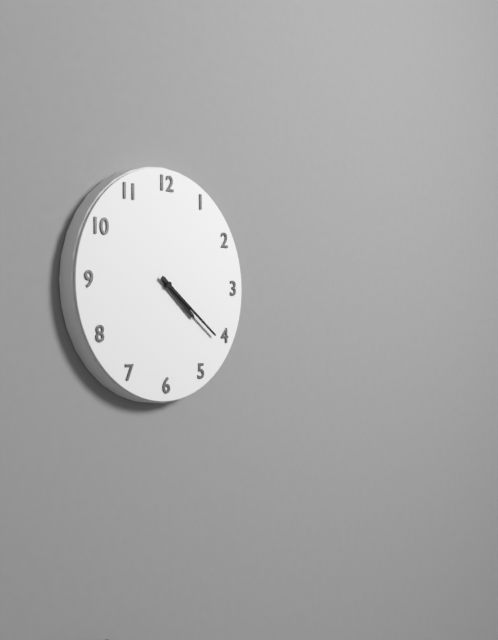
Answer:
h=4 m=21
